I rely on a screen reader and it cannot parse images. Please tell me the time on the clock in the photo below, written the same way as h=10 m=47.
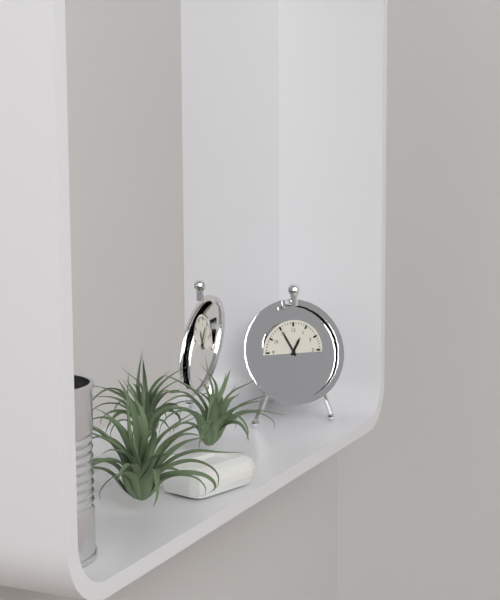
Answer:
h=12 m=55
